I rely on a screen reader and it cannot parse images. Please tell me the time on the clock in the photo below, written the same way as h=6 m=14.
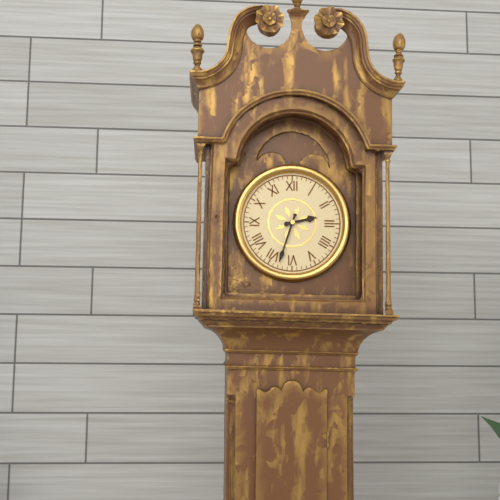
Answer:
h=2 m=33
